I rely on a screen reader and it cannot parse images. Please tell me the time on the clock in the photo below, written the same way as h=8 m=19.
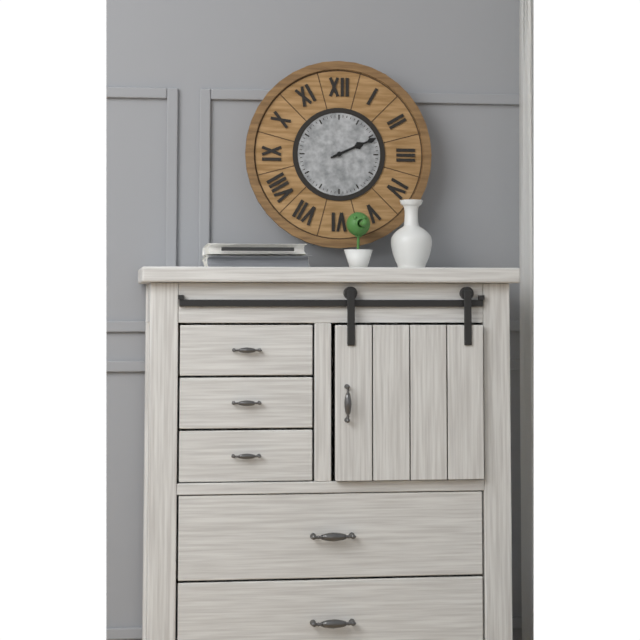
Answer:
h=2 m=11
